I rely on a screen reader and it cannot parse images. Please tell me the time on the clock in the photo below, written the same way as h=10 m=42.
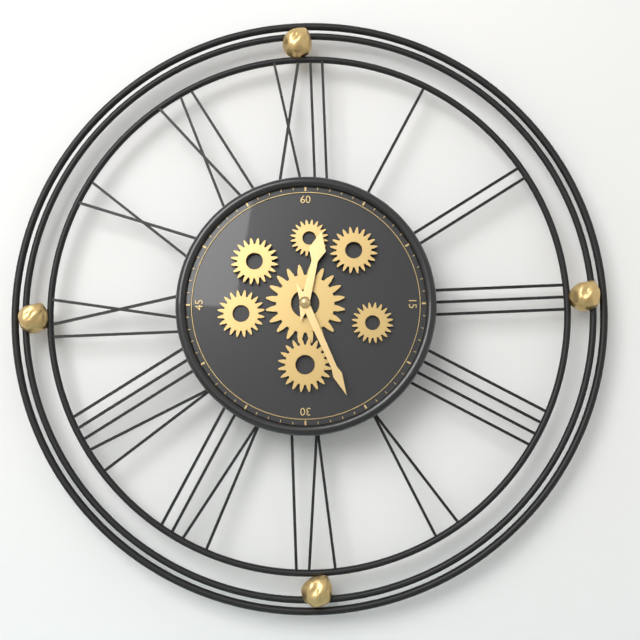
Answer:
h=12 m=26
